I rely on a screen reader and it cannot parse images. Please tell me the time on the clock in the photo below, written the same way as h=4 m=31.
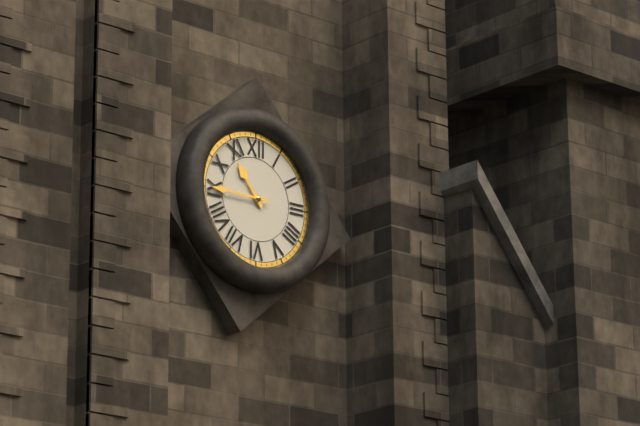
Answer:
h=10 m=45
